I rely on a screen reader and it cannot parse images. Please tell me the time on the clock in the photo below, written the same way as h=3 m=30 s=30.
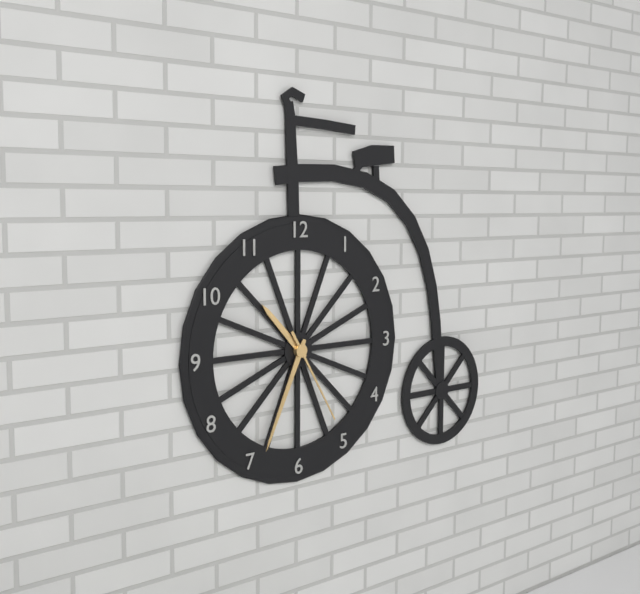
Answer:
h=10 m=34 s=25
